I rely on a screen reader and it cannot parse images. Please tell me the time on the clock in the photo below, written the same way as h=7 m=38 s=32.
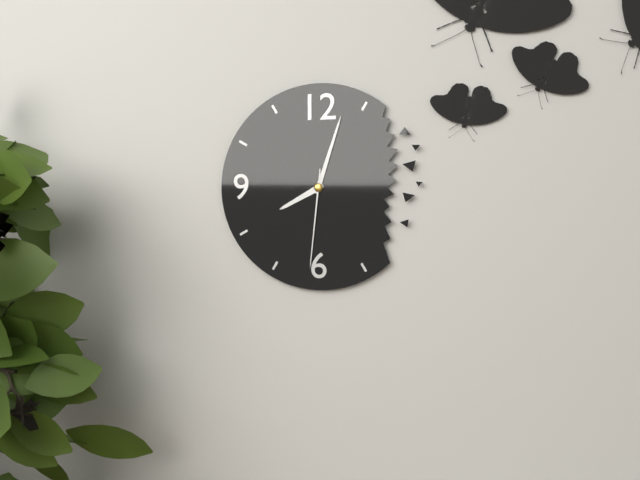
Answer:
h=8 m=3 s=31
